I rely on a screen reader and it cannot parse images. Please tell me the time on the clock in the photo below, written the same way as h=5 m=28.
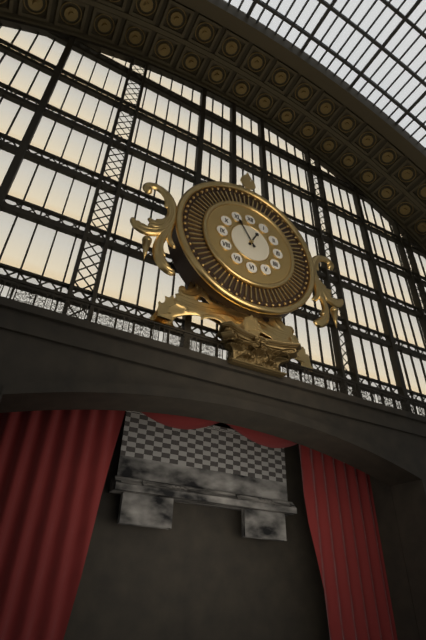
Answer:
h=12 m=55
